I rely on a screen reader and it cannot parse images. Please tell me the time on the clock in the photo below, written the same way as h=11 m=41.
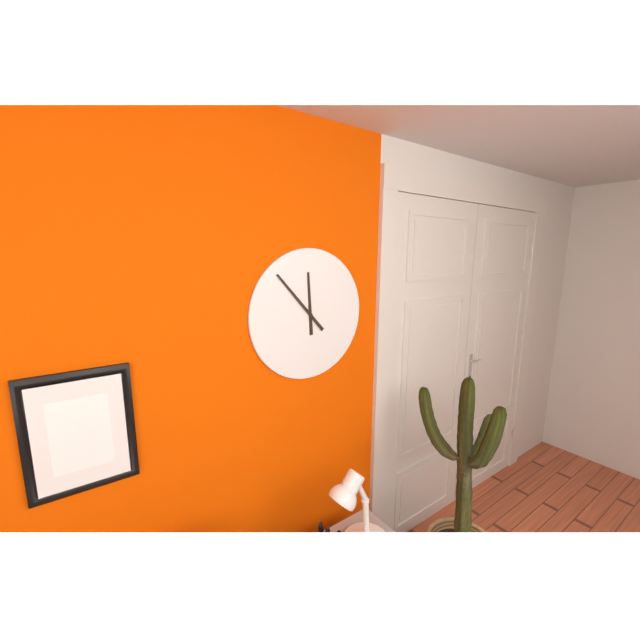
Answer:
h=11 m=53
